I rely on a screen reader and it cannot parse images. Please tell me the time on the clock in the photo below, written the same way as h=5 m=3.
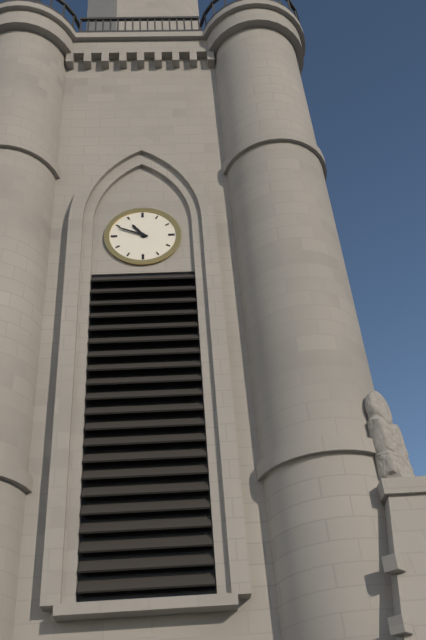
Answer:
h=10 m=49
